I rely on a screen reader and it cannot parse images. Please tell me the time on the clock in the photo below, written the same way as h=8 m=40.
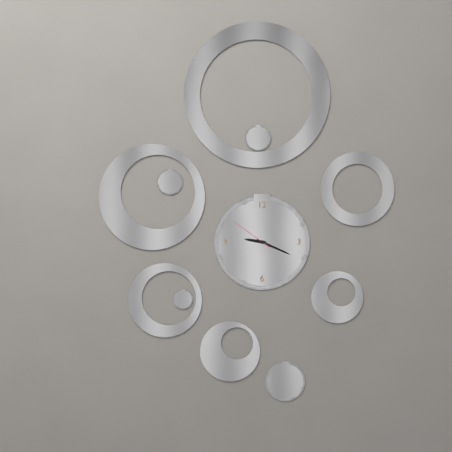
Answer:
h=9 m=19
